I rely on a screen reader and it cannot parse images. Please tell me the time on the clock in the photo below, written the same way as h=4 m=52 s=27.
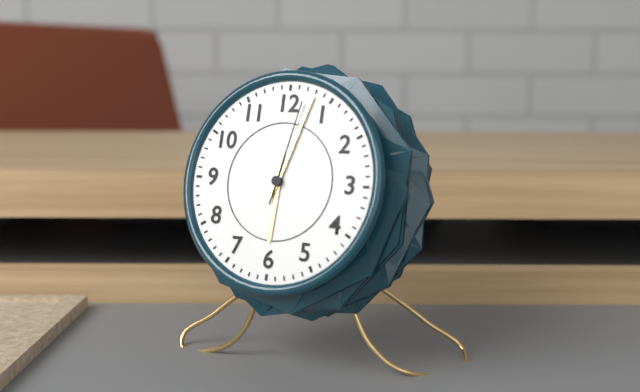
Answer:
h=6 m=3 s=2
